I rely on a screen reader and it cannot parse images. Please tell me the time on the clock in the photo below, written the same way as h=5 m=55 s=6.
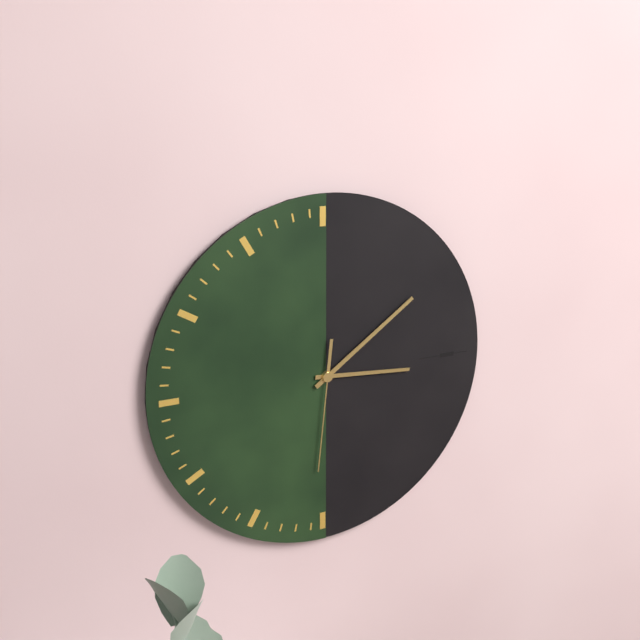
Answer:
h=3 m=9 s=31
